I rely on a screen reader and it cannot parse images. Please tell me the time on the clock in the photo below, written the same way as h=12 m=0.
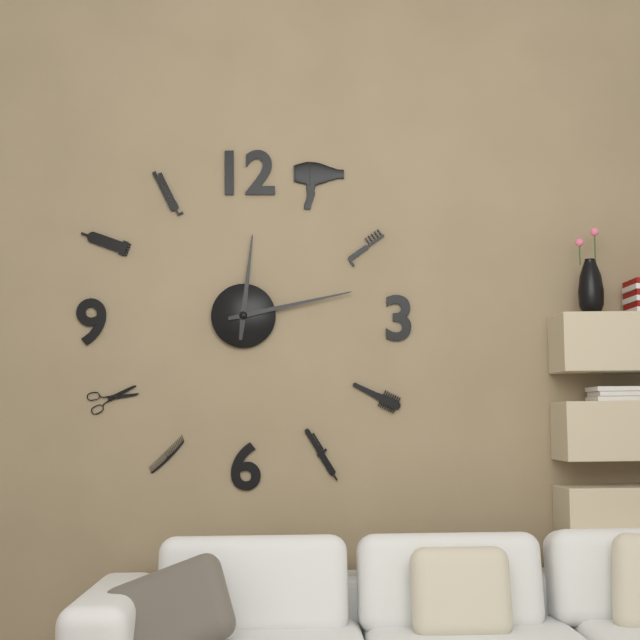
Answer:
h=12 m=13
